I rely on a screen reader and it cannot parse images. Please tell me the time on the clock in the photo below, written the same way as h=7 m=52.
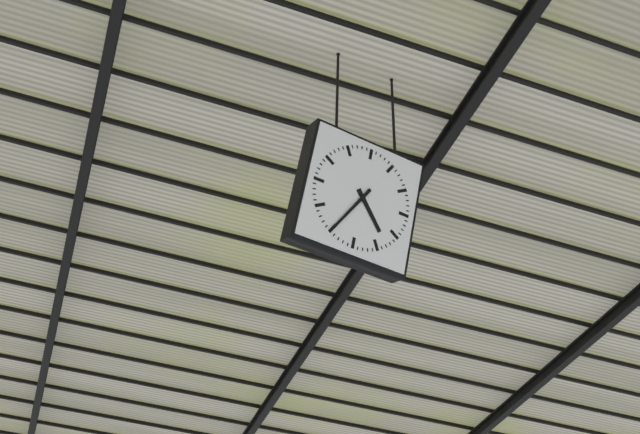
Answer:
h=4 m=35
